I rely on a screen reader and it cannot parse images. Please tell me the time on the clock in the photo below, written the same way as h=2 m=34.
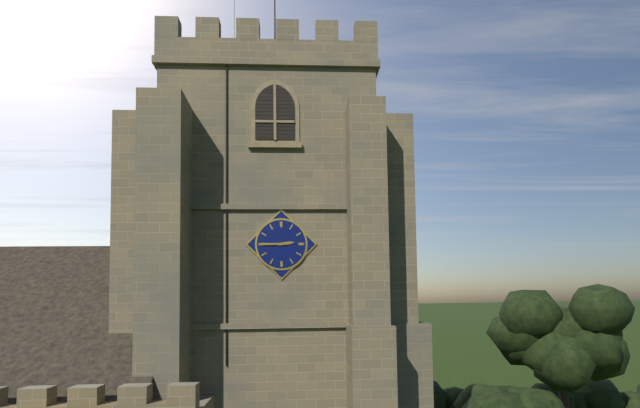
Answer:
h=2 m=45
